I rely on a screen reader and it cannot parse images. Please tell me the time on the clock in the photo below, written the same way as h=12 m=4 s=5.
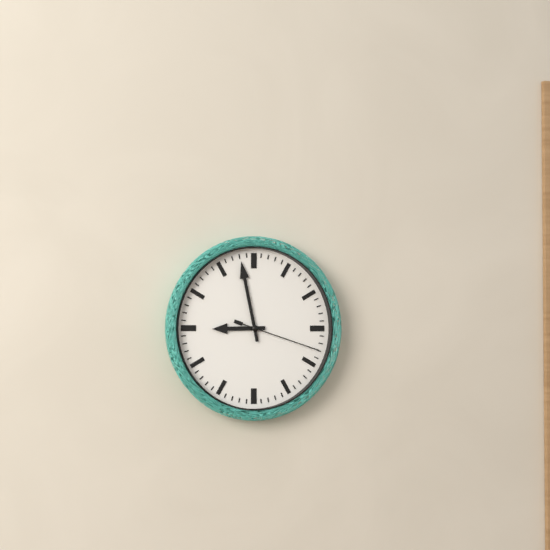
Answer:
h=8 m=58 s=18
